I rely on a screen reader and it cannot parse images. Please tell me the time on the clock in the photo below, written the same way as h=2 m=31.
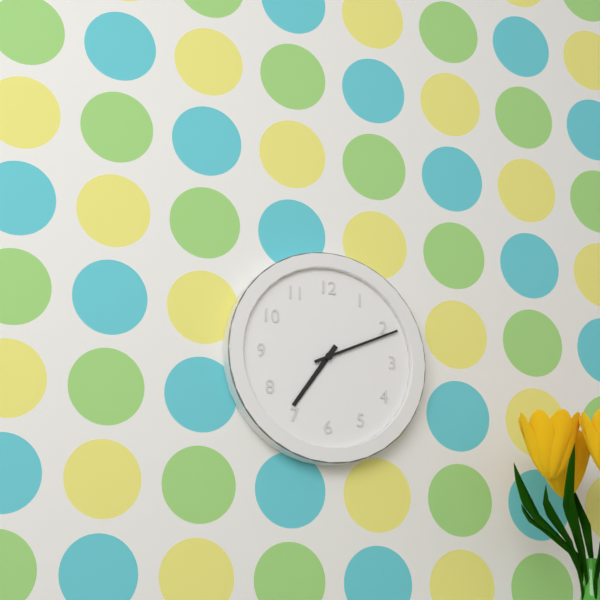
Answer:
h=7 m=11
